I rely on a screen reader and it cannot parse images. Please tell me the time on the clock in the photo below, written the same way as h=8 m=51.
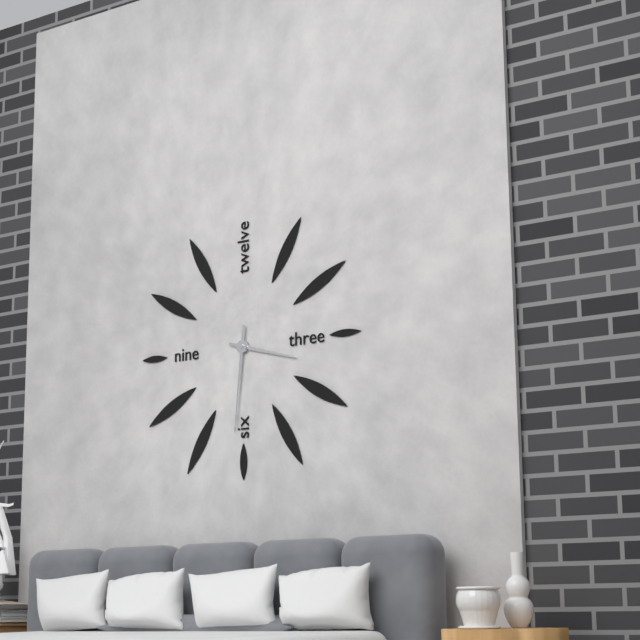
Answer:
h=3 m=31
